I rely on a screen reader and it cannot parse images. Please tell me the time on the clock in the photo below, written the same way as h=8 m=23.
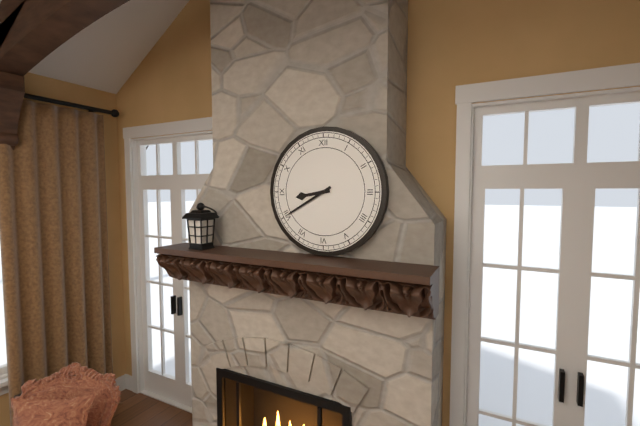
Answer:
h=8 m=40
